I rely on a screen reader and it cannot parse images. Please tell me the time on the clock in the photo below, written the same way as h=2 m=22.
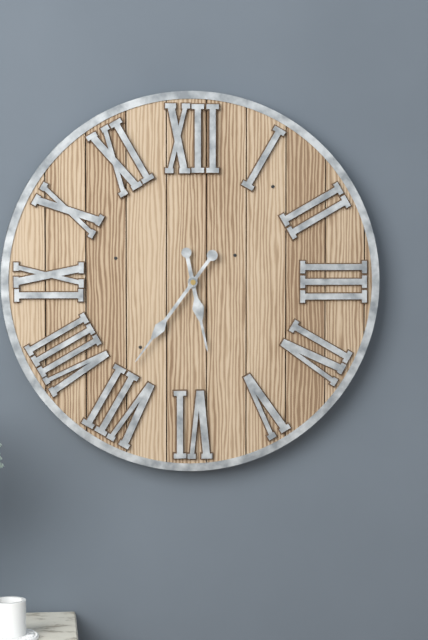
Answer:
h=5 m=36
